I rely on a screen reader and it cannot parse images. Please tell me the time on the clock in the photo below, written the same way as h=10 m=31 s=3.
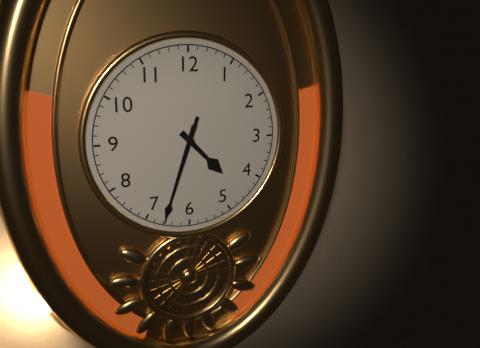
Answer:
h=4 m=33 s=33
